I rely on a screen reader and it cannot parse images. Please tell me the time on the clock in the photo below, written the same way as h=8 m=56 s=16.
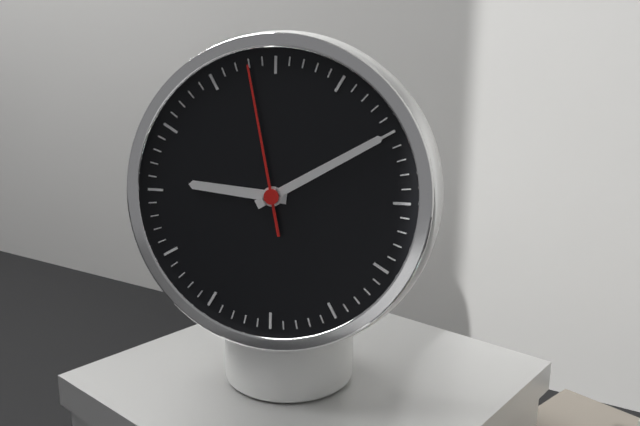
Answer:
h=9 m=10 s=58
